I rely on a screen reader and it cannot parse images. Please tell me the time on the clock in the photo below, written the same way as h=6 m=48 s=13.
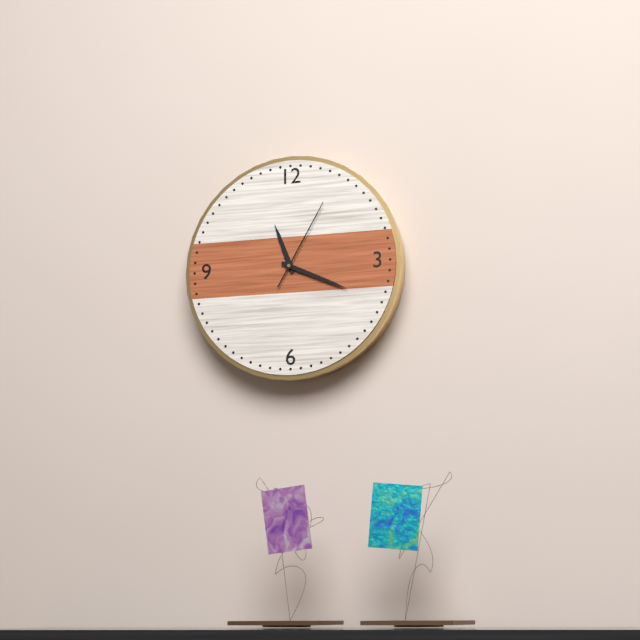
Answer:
h=11 m=19 s=5
